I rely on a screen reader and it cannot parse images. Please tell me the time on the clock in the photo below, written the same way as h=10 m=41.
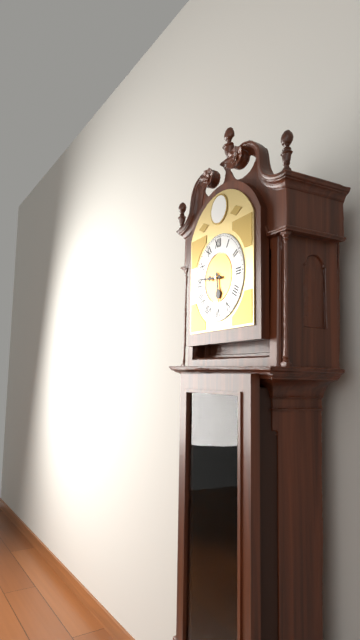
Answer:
h=5 m=46
